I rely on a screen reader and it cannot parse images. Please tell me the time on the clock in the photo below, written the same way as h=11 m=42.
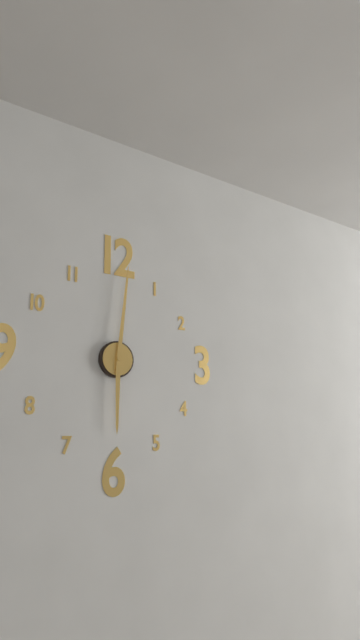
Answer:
h=6 m=1
